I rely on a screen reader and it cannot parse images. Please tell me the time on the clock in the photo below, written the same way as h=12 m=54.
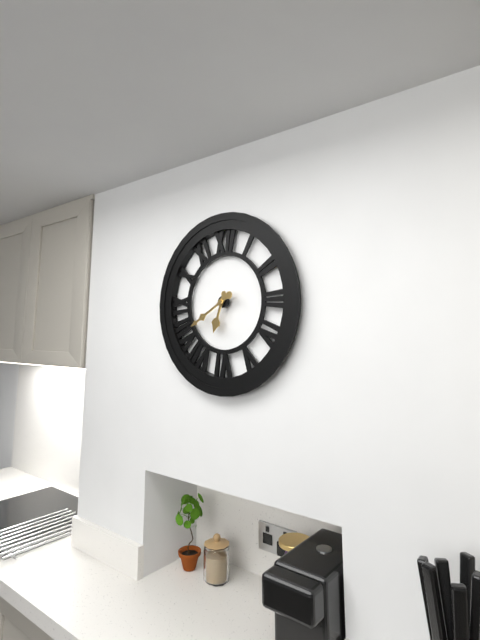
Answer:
h=6 m=40
